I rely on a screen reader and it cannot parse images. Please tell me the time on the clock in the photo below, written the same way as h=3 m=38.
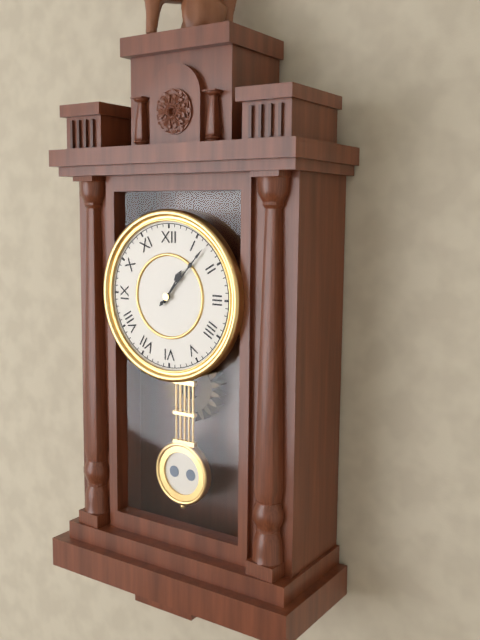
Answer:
h=1 m=7
